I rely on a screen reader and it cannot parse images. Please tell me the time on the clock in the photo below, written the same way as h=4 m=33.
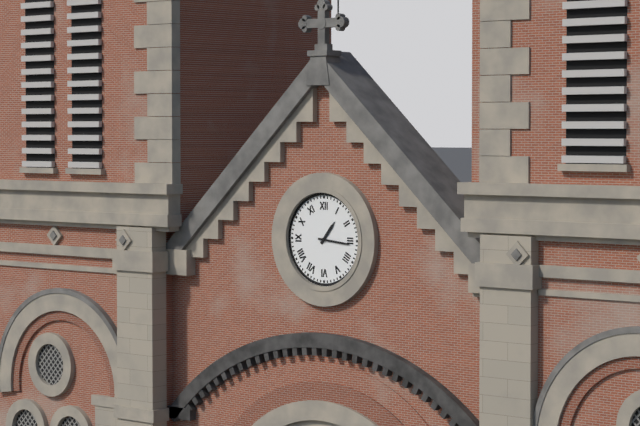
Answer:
h=1 m=16
